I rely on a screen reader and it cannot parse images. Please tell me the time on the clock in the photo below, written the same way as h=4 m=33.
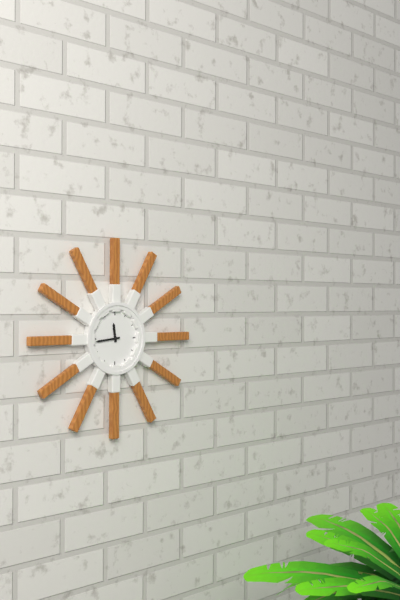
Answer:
h=11 m=44
